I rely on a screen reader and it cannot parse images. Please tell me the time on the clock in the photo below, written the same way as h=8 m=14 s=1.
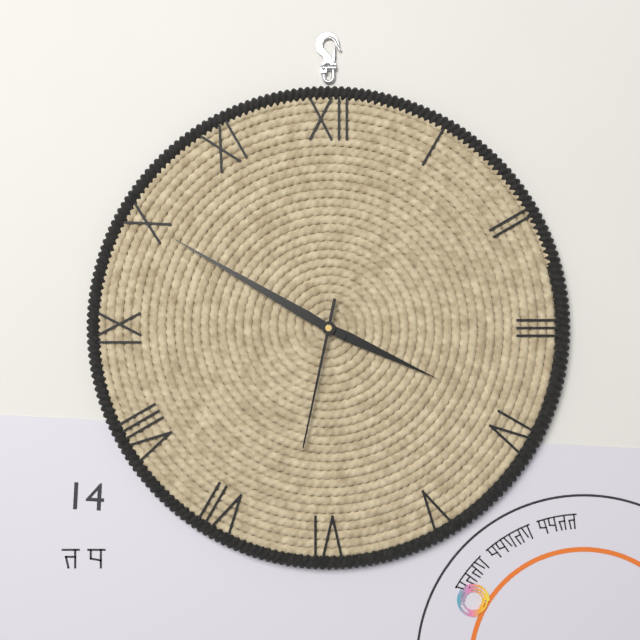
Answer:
h=3 m=50 s=32
